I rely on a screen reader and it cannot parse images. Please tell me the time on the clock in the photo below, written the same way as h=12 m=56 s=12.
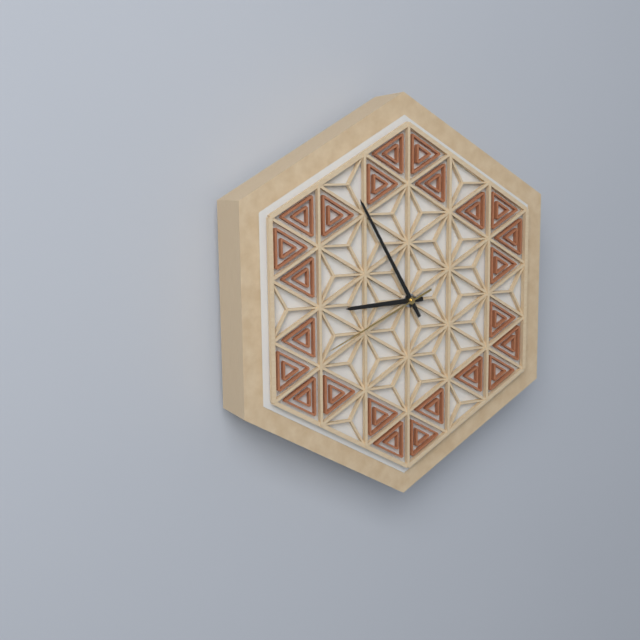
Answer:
h=8 m=55 s=41
